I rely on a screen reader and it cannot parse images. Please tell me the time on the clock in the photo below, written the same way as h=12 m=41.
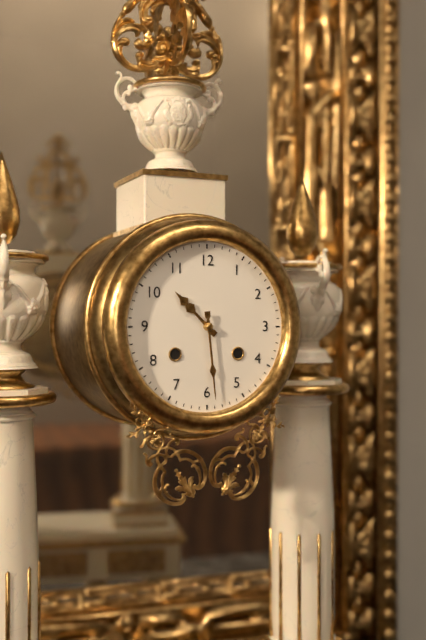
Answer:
h=10 m=29
